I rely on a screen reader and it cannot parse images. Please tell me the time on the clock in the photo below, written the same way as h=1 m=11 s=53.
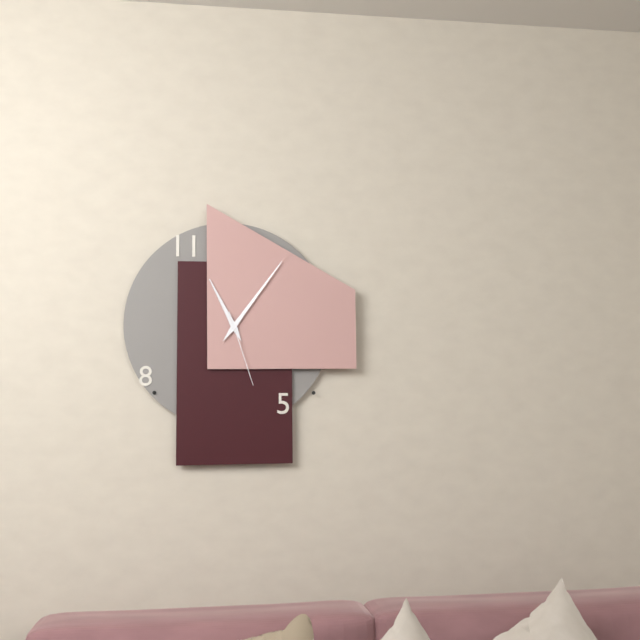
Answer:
h=11 m=6 s=27
